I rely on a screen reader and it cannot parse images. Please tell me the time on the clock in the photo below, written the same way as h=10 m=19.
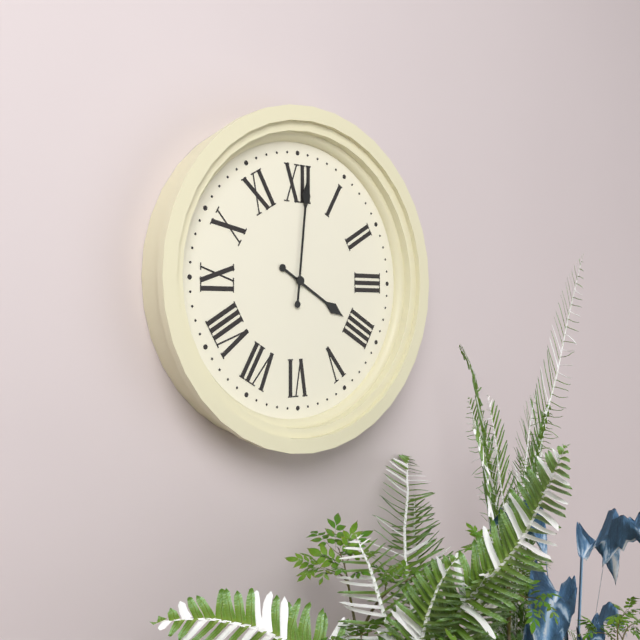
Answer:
h=4 m=1
